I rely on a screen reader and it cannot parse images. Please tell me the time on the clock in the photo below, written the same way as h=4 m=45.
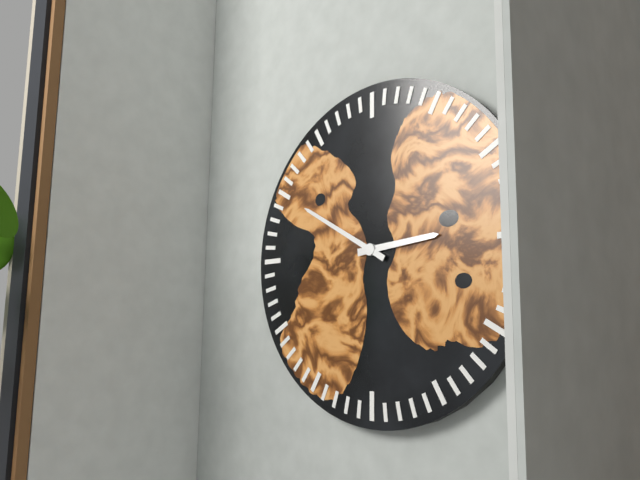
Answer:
h=2 m=50
